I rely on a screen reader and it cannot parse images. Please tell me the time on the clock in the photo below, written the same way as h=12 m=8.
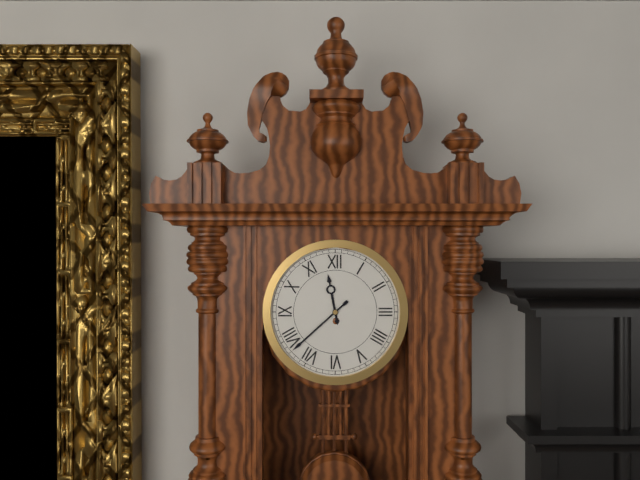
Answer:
h=11 m=38
